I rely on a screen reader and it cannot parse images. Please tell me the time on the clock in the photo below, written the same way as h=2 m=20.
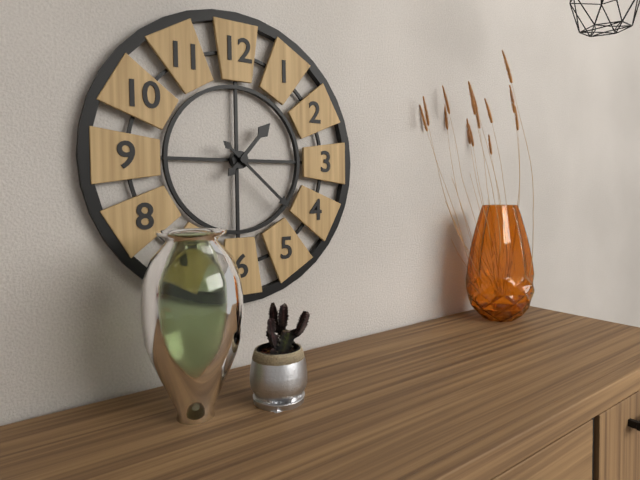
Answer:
h=1 m=22
